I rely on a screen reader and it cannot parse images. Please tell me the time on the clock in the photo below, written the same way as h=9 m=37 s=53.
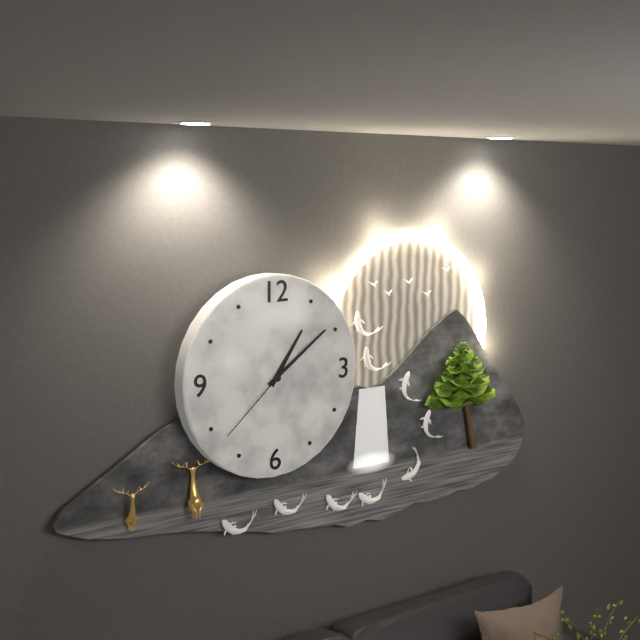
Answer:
h=1 m=9 s=38
